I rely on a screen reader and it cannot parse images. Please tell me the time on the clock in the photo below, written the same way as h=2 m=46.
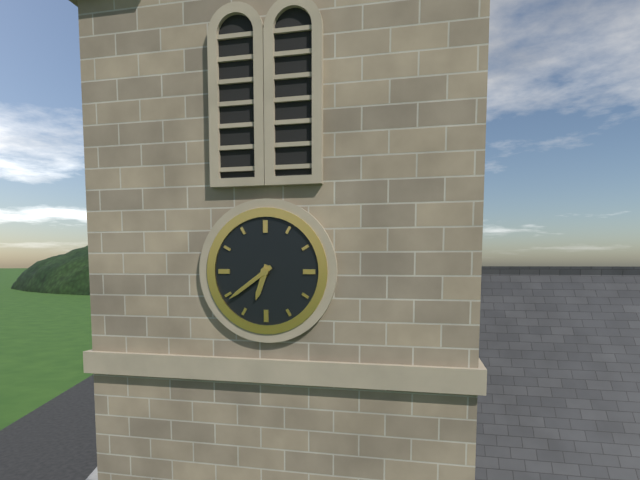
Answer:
h=6 m=39
